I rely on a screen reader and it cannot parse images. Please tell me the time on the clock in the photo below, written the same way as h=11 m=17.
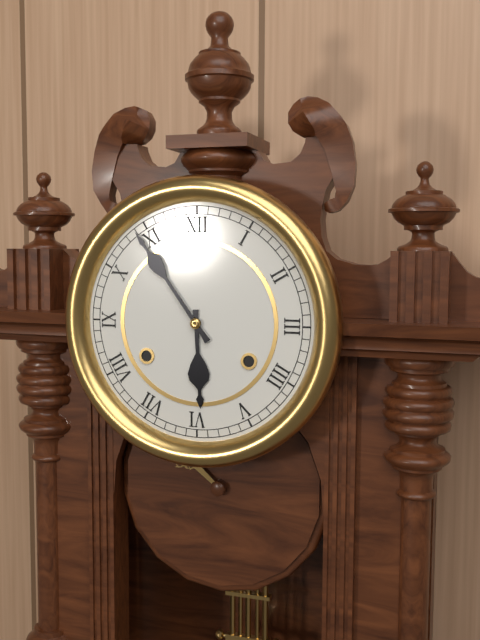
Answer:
h=5 m=54
